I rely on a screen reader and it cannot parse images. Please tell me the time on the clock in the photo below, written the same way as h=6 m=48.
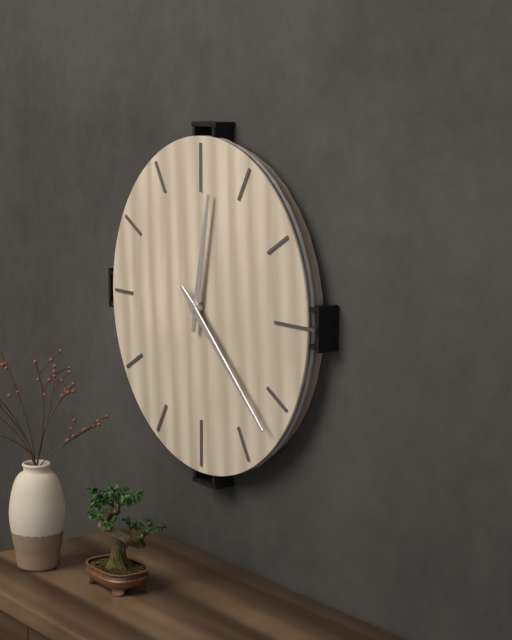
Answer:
h=12 m=22
